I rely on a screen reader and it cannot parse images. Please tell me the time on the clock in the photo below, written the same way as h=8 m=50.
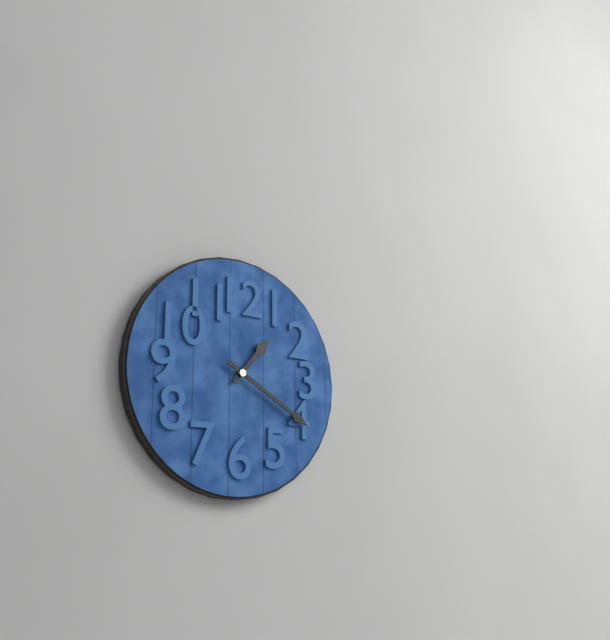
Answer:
h=1 m=20
